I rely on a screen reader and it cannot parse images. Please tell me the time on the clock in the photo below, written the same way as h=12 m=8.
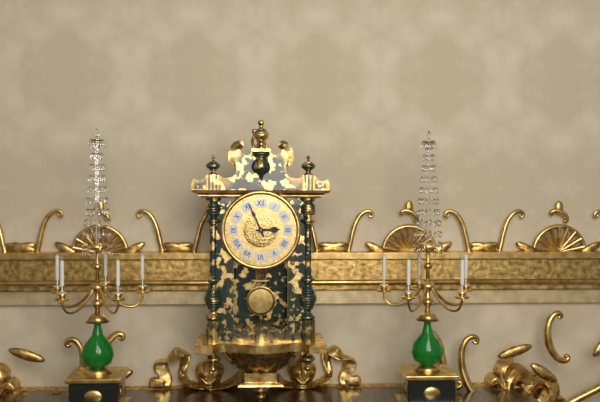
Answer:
h=2 m=56
